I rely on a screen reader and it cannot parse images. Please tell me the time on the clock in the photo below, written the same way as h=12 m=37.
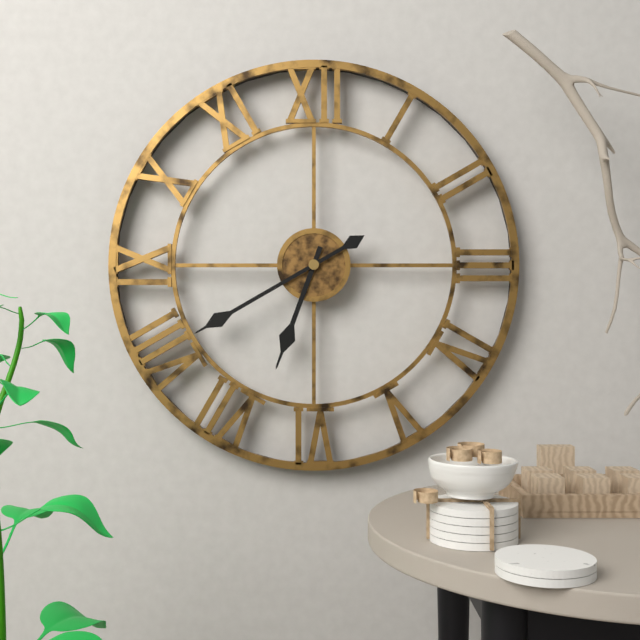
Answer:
h=6 m=40
